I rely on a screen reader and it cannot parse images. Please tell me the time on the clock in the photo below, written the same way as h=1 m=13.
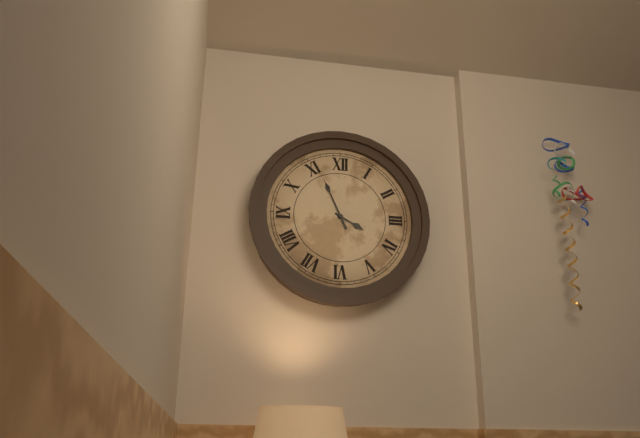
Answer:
h=3 m=56
